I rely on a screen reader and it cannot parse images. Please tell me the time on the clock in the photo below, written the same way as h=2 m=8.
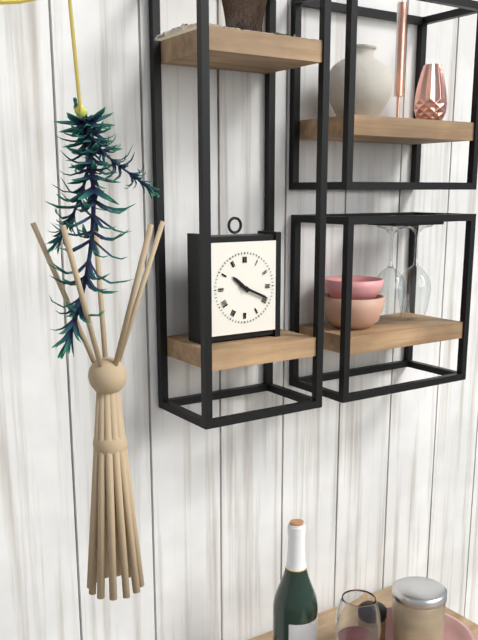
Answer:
h=10 m=19
